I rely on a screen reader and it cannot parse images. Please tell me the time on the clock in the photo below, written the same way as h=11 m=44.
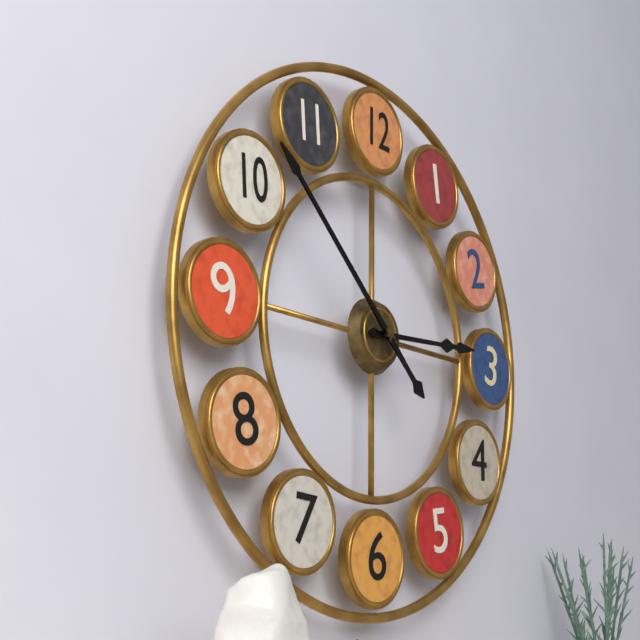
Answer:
h=2 m=52
